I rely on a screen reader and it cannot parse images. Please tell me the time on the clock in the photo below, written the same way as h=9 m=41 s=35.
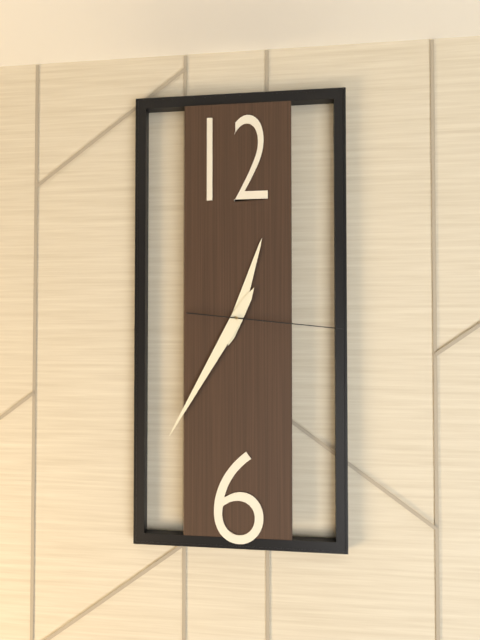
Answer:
h=12 m=35 s=16
